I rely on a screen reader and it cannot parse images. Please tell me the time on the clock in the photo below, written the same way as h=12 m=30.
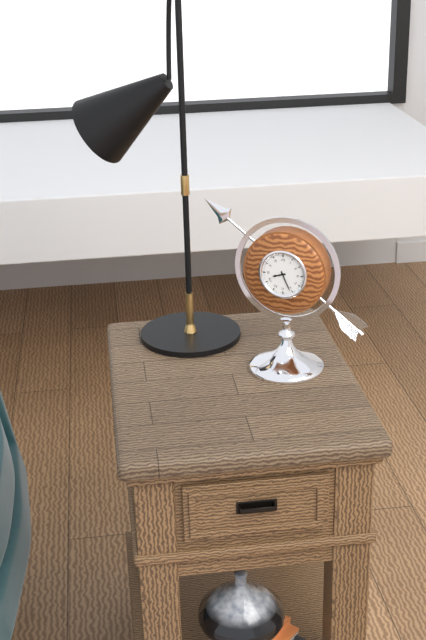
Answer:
h=8 m=26
